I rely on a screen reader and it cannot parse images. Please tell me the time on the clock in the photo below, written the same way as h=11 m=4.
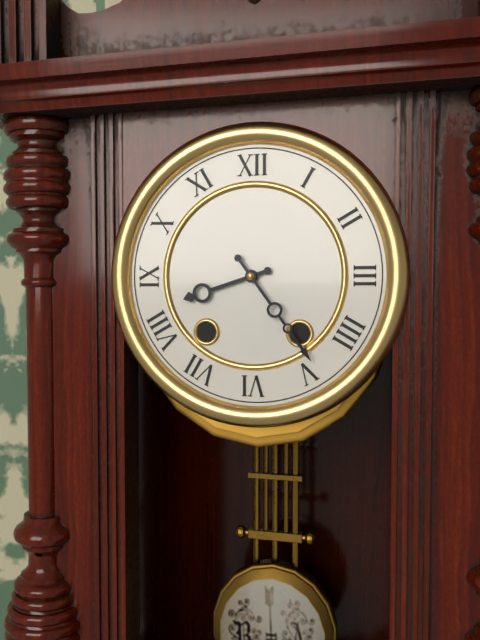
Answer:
h=8 m=24
